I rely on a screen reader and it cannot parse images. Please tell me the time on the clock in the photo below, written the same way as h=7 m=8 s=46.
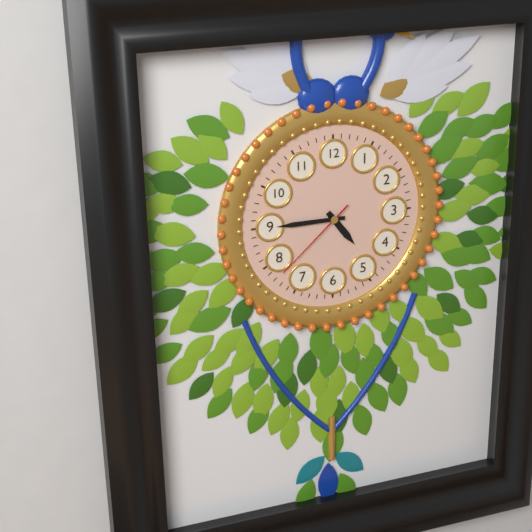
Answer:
h=4 m=45 s=38
